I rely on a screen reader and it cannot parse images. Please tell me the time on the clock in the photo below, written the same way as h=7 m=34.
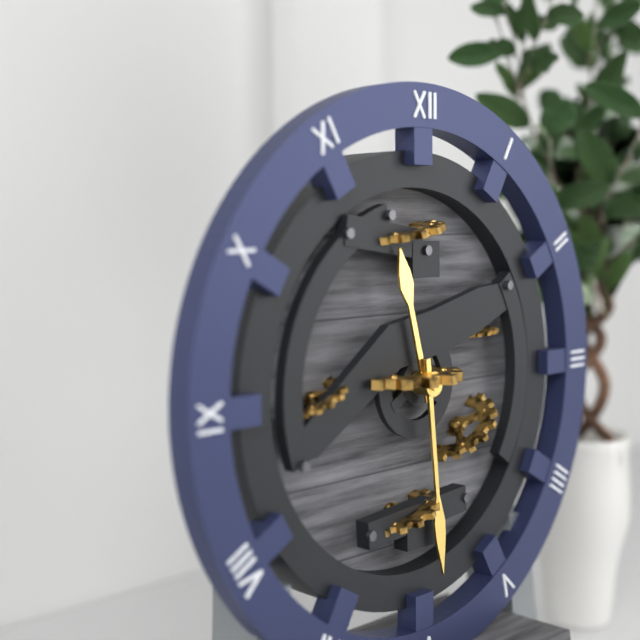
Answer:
h=11 m=29
